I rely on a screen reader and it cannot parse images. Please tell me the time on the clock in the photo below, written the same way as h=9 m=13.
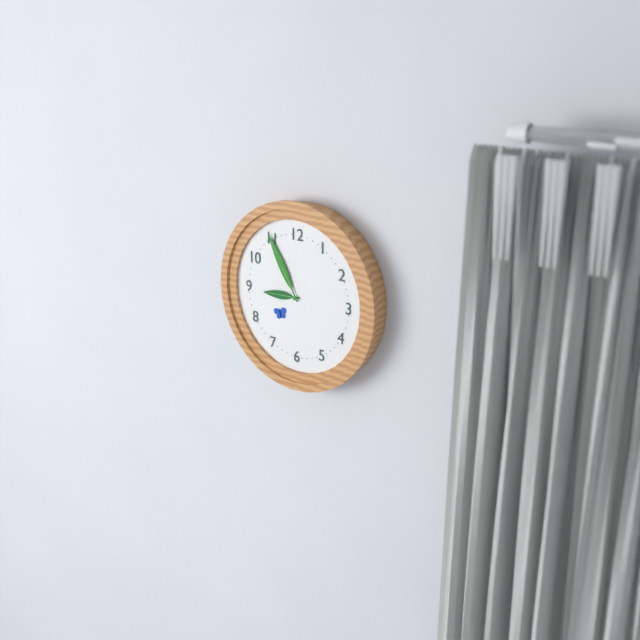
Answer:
h=8 m=55
